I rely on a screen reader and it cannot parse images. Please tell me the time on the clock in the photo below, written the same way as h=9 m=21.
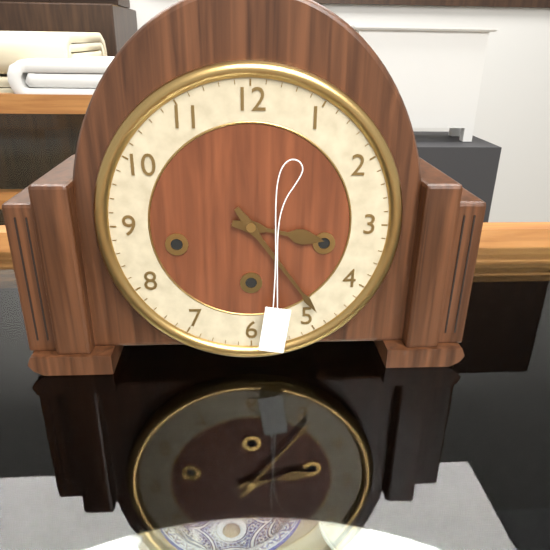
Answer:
h=3 m=24
